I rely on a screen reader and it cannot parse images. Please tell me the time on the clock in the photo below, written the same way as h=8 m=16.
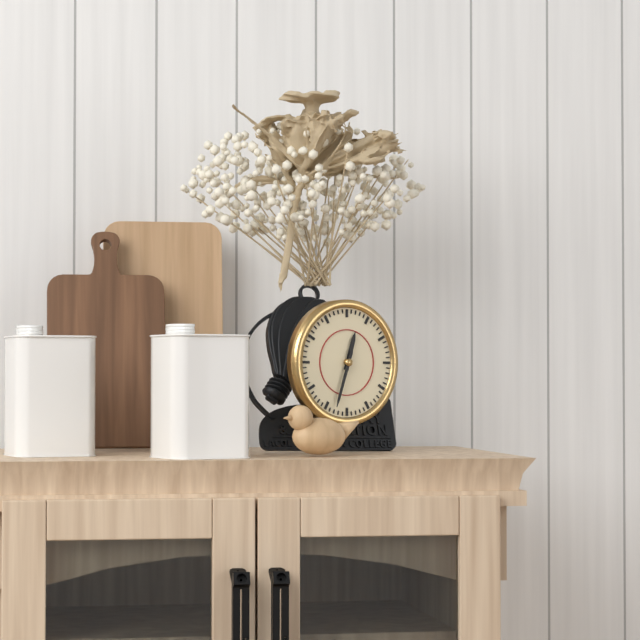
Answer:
h=12 m=33
